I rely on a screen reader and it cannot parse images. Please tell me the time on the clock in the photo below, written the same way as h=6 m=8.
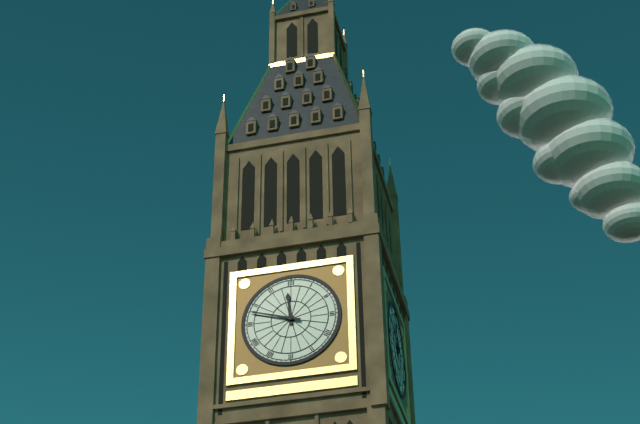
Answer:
h=11 m=48
